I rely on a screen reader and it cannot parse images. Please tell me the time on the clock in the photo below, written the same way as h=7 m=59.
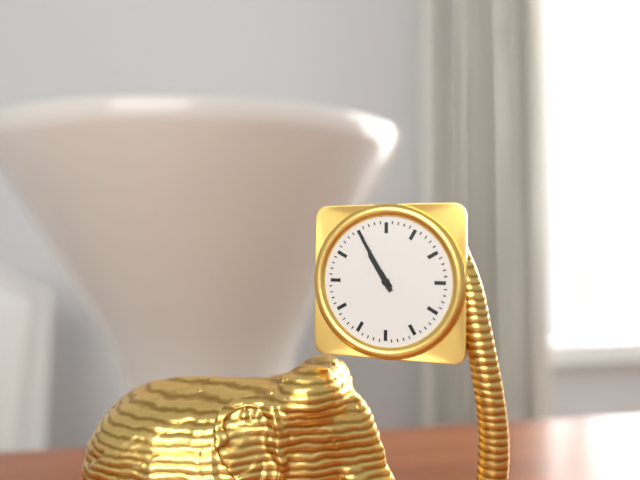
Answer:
h=10 m=55
